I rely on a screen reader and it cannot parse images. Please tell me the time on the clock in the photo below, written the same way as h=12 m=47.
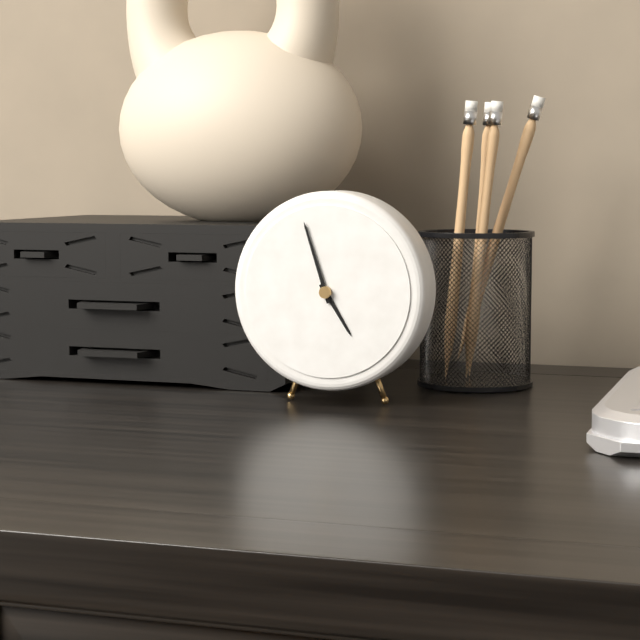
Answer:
h=4 m=57
